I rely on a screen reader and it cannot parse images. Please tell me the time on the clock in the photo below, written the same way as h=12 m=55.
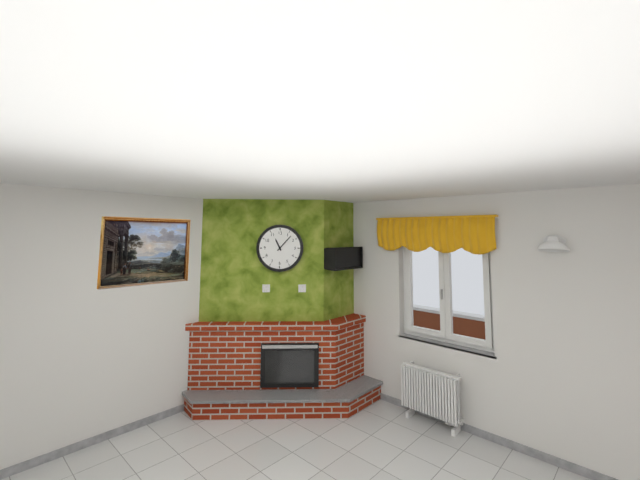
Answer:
h=11 m=7
